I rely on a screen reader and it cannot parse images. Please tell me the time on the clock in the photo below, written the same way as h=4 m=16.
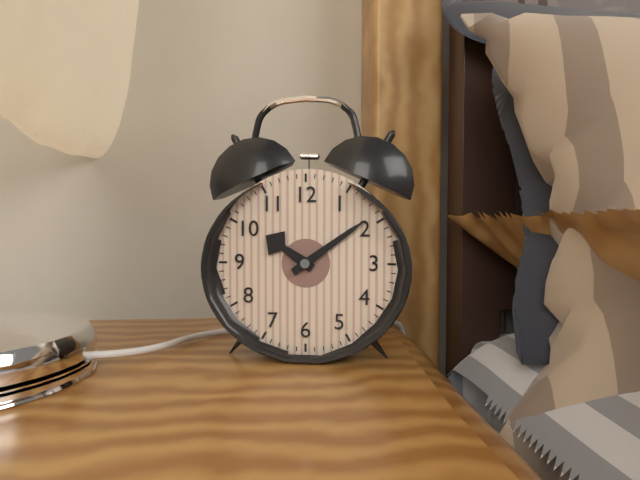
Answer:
h=10 m=9
